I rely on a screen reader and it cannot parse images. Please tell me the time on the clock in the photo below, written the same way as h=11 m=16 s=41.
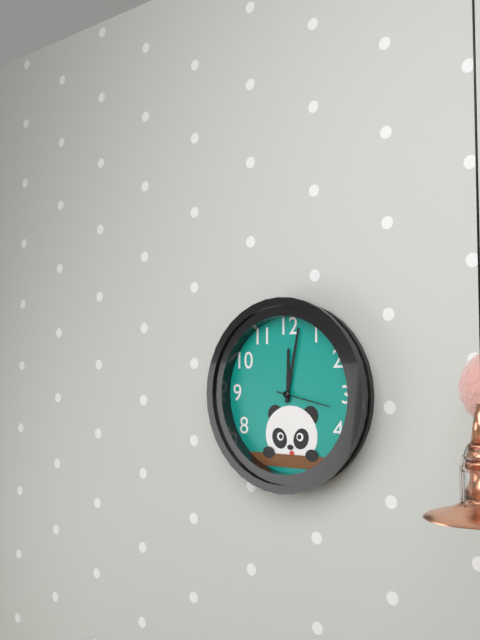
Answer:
h=12 m=2 s=17
